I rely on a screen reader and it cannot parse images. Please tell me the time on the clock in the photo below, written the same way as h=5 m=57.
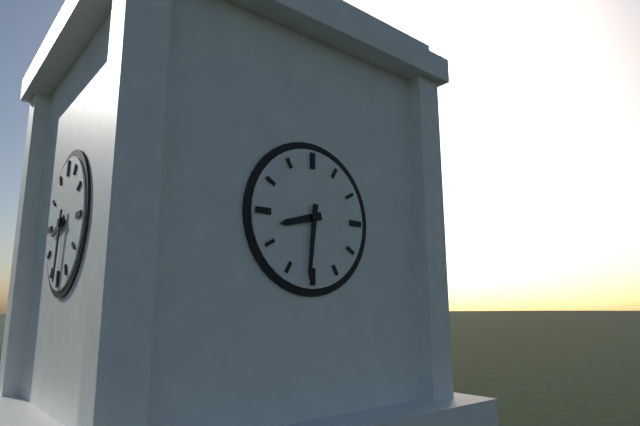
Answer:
h=8 m=31
